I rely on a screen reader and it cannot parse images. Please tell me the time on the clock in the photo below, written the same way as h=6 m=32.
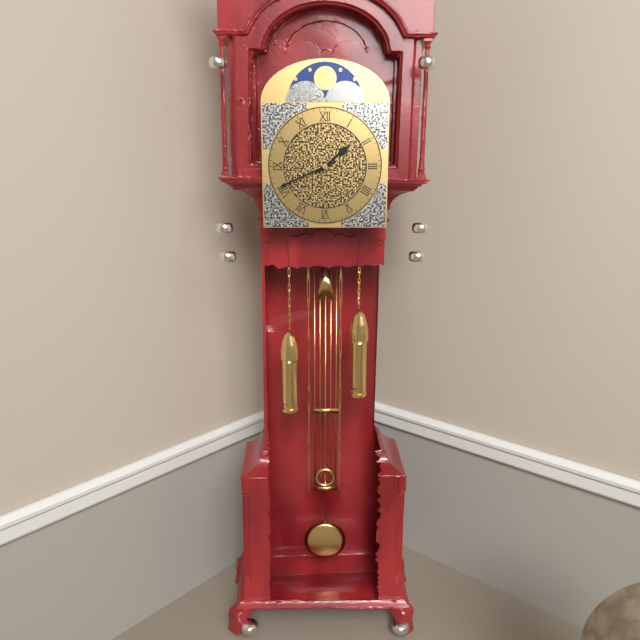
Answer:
h=1 m=41
